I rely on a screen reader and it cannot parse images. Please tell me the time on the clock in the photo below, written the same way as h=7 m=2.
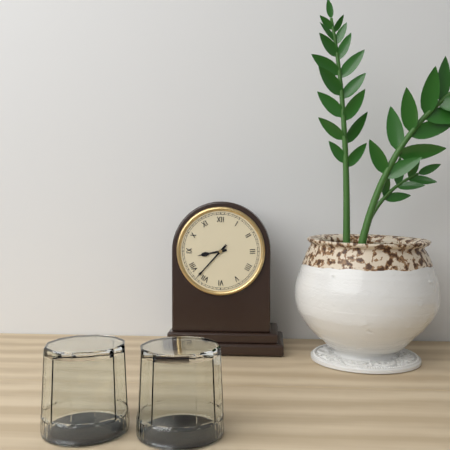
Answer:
h=8 m=37
